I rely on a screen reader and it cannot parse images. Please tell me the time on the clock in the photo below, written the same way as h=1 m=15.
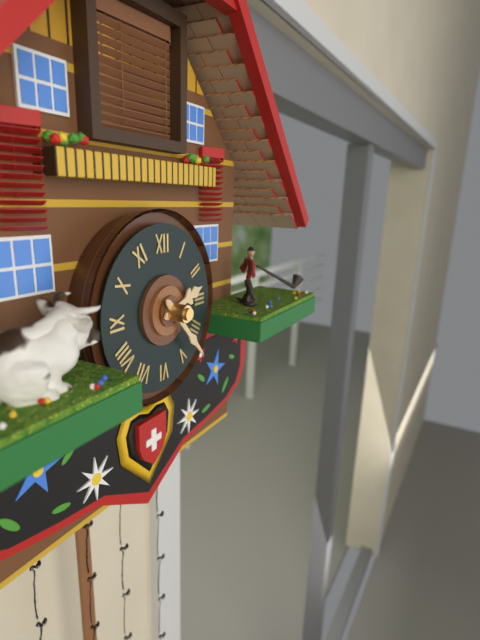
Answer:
h=2 m=23
